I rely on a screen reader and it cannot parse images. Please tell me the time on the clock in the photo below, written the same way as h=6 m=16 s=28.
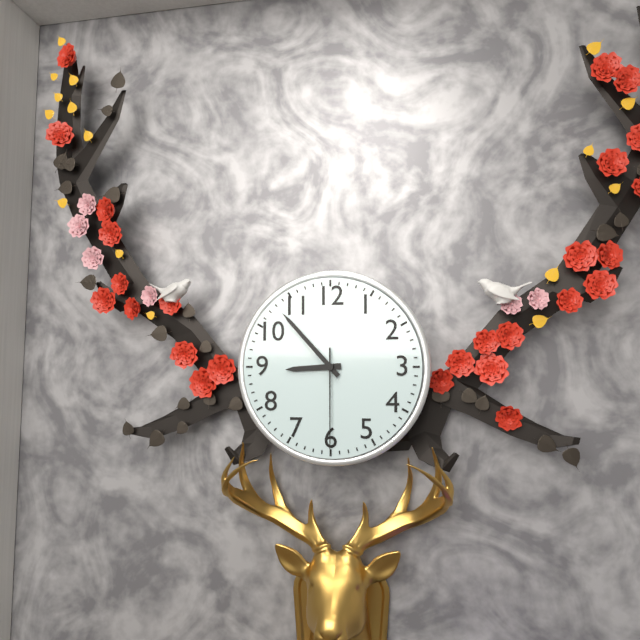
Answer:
h=8 m=53 s=30
